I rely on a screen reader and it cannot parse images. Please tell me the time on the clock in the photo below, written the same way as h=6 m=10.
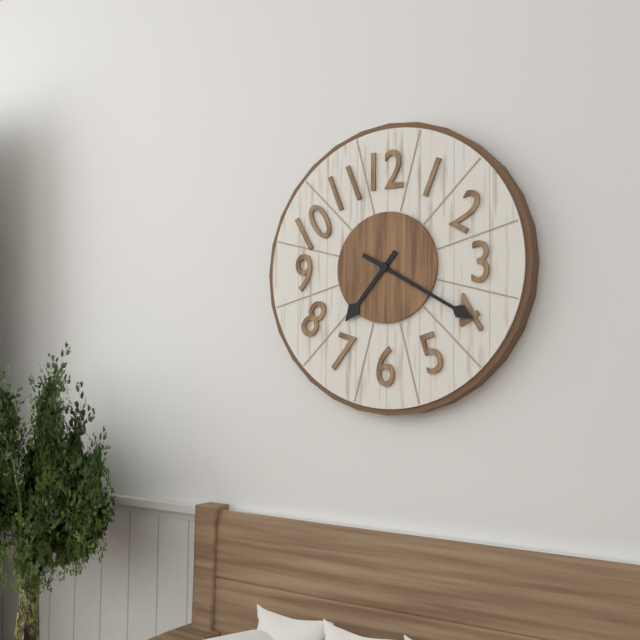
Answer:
h=7 m=20
